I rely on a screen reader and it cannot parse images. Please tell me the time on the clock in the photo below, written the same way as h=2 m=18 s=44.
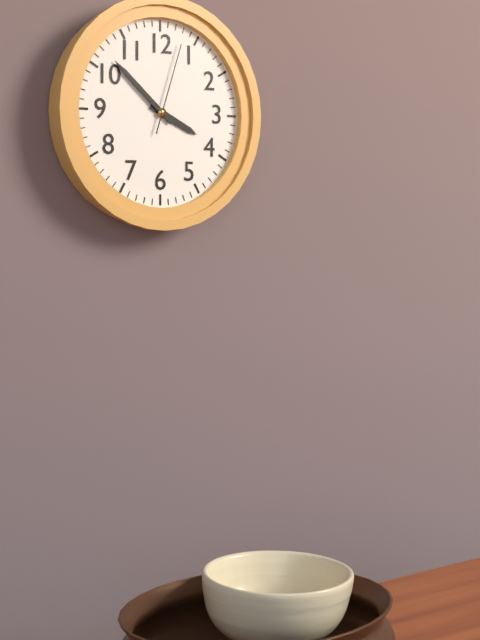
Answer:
h=3 m=52 s=3
